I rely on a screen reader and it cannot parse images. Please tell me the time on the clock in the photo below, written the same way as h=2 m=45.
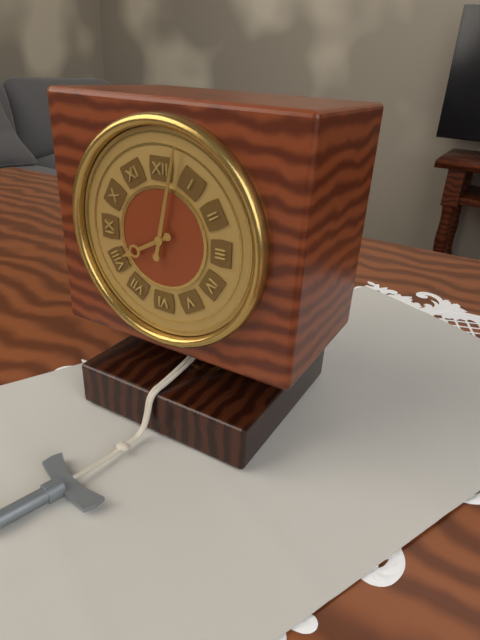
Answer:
h=8 m=2
